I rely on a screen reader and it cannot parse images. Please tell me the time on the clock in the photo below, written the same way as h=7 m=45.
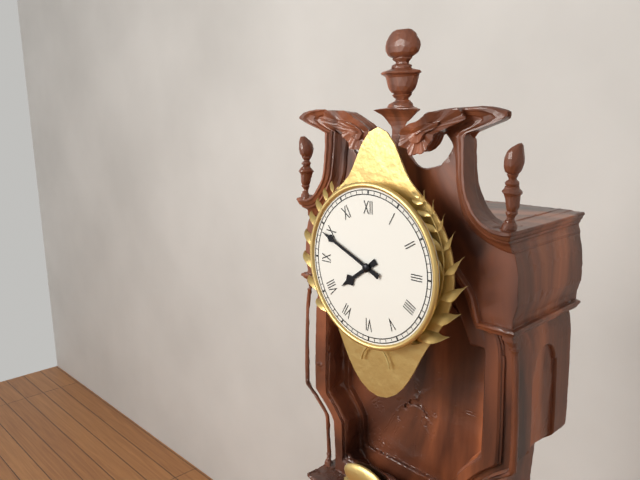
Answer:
h=7 m=49
